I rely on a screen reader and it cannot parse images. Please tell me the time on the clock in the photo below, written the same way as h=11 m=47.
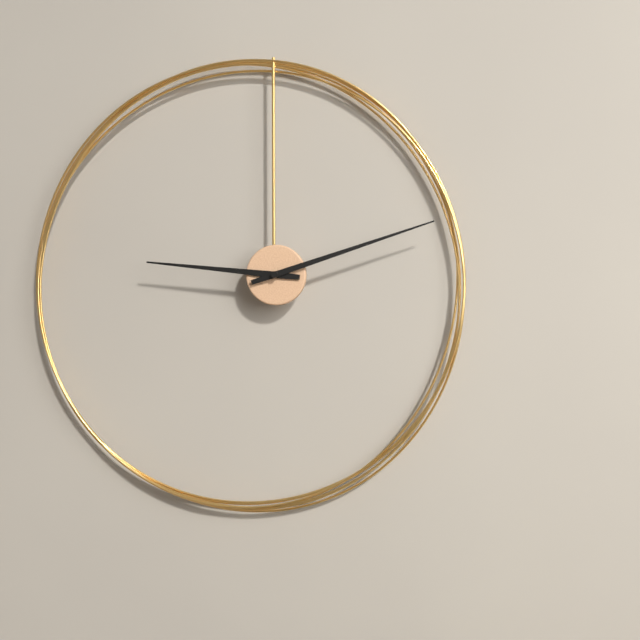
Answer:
h=9 m=12
